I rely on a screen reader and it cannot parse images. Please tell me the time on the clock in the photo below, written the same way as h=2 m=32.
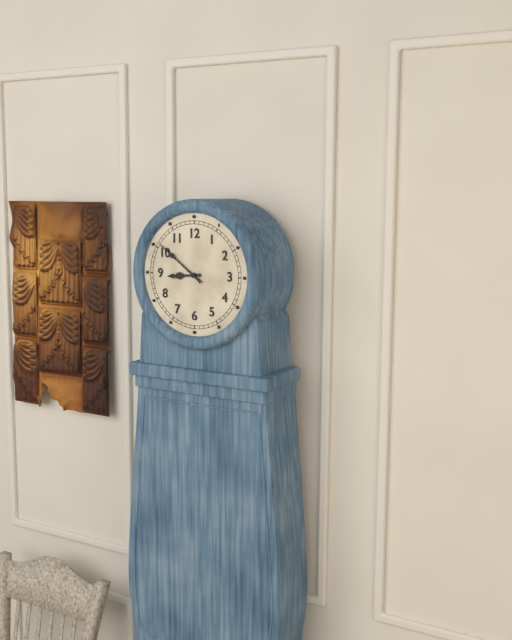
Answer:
h=8 m=51
